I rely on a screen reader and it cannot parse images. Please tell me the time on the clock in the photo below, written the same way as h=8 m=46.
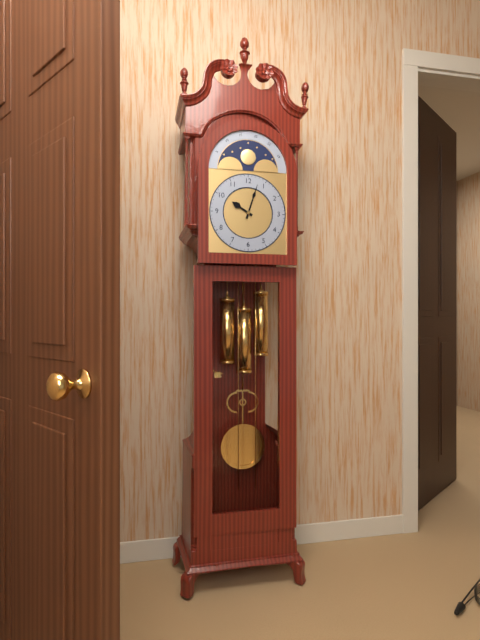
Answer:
h=10 m=3
